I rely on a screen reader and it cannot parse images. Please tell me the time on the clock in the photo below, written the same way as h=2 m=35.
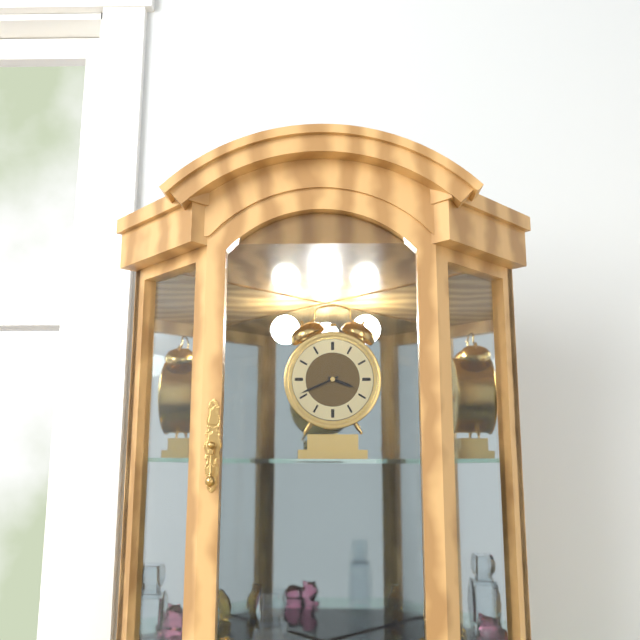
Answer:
h=3 m=41
